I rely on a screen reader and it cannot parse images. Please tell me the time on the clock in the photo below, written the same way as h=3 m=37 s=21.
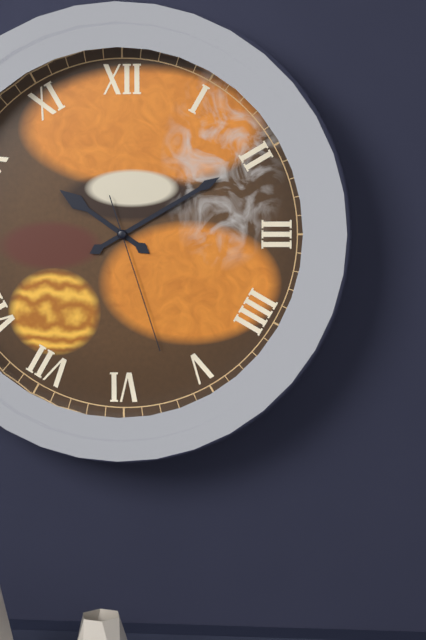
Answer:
h=10 m=10 s=27
